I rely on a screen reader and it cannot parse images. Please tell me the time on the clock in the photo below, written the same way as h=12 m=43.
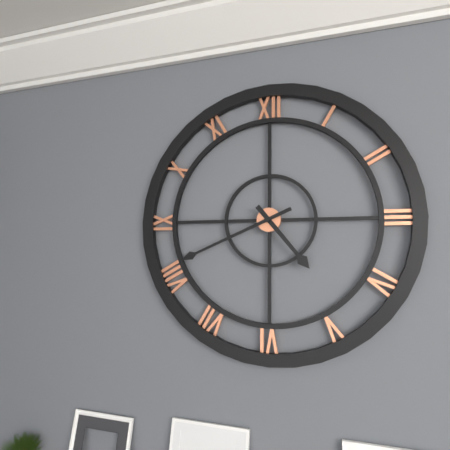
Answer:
h=4 m=41
